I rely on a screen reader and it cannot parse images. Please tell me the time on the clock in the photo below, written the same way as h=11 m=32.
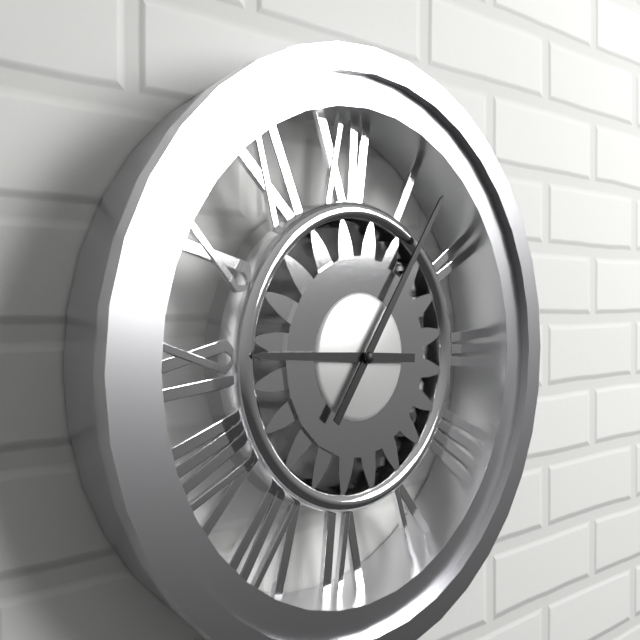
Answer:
h=9 m=6
